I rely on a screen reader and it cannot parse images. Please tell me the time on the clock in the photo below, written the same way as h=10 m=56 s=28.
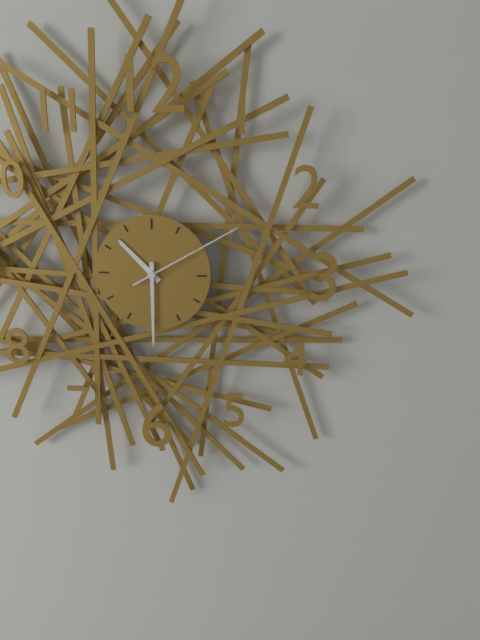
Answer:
h=10 m=30 s=10
